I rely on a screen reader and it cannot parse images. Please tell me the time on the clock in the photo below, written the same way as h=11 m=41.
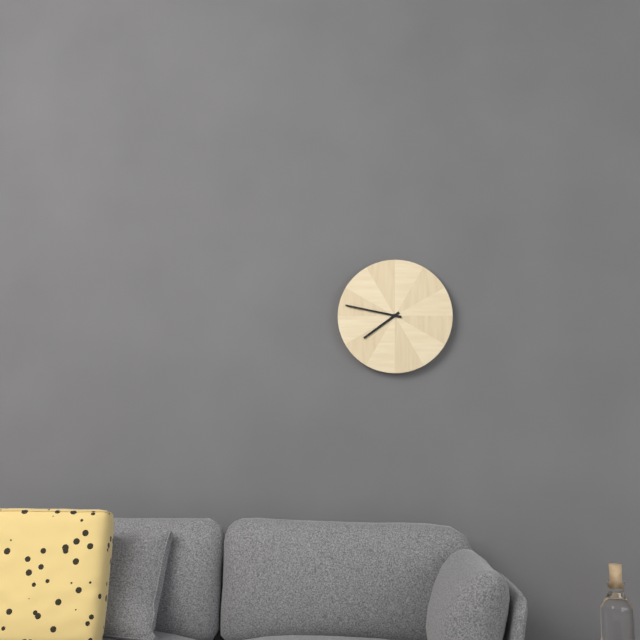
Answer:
h=7 m=47
